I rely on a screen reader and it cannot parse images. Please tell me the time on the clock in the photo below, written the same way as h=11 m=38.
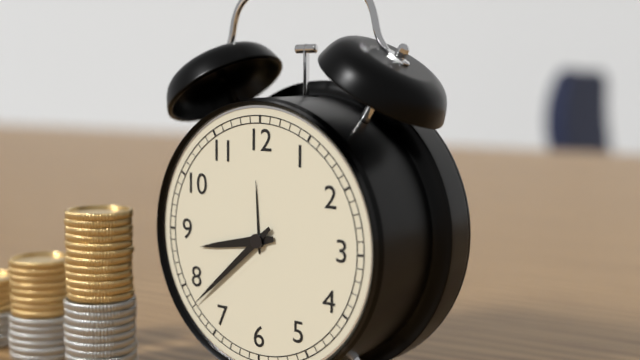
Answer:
h=8 m=38
